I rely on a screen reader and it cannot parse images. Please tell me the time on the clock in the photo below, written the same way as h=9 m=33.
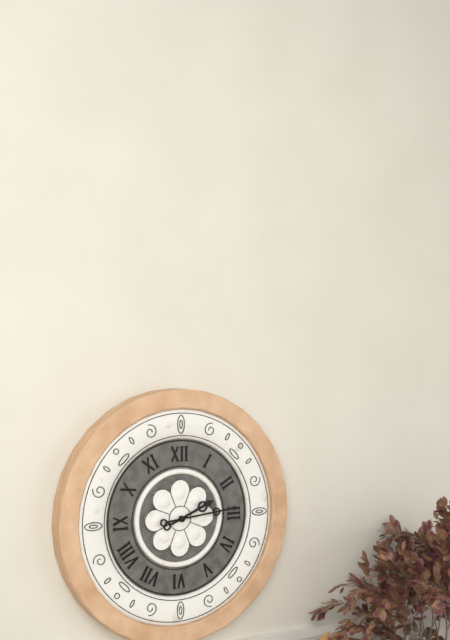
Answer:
h=2 m=14
